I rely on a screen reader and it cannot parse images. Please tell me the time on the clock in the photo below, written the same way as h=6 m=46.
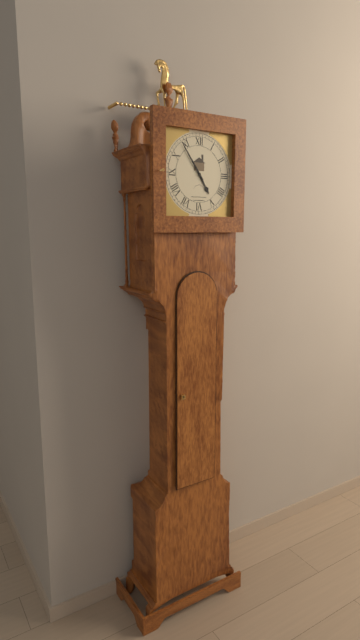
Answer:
h=4 m=54
